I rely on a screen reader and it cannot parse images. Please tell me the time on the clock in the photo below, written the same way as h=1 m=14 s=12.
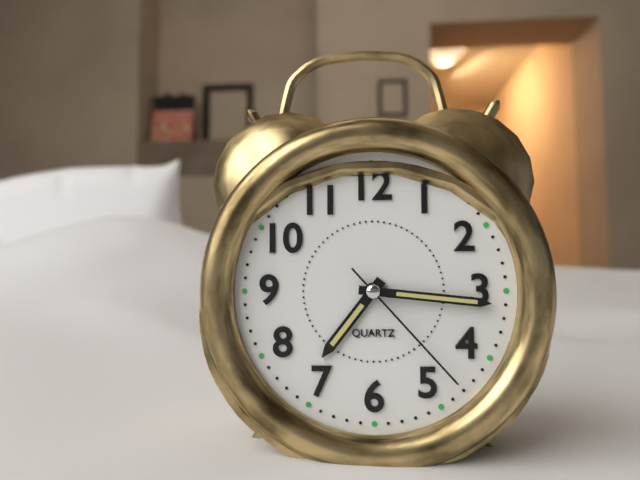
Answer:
h=7 m=16 s=23
